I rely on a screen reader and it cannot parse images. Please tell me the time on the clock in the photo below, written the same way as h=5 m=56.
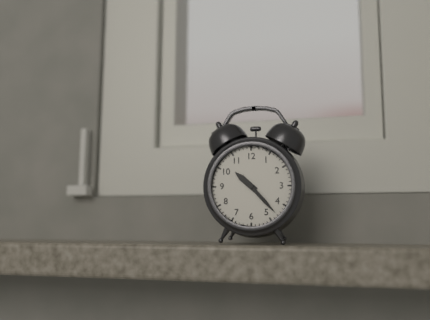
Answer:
h=10 m=23
